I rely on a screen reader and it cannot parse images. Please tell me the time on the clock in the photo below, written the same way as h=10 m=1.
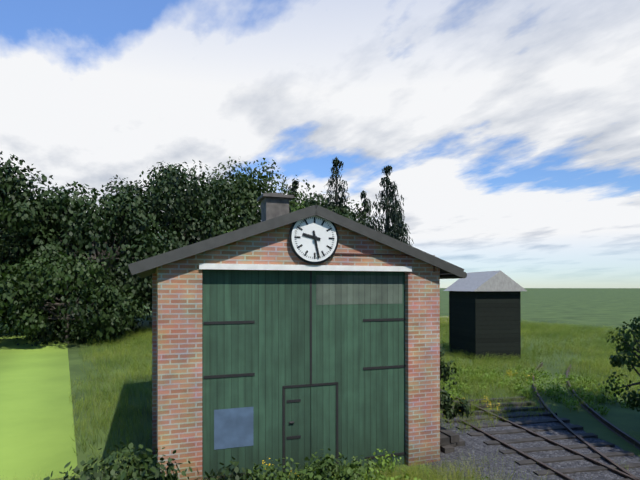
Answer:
h=9 m=28
